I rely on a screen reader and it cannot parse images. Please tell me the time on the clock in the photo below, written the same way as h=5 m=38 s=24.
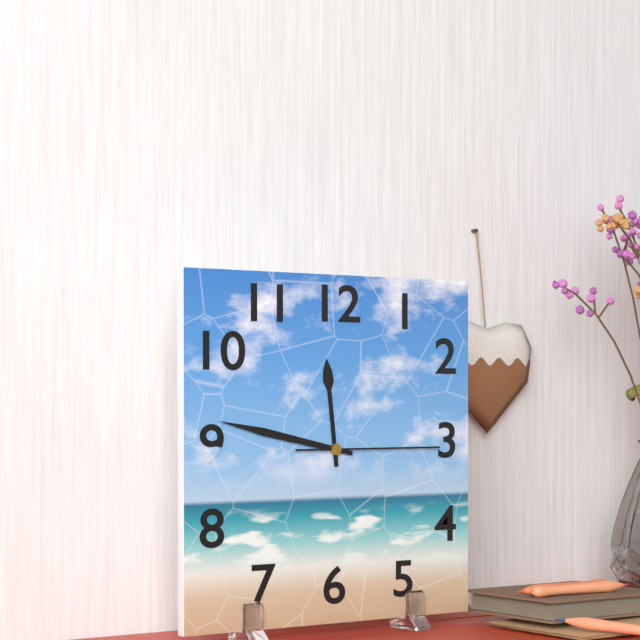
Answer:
h=11 m=47 s=15
